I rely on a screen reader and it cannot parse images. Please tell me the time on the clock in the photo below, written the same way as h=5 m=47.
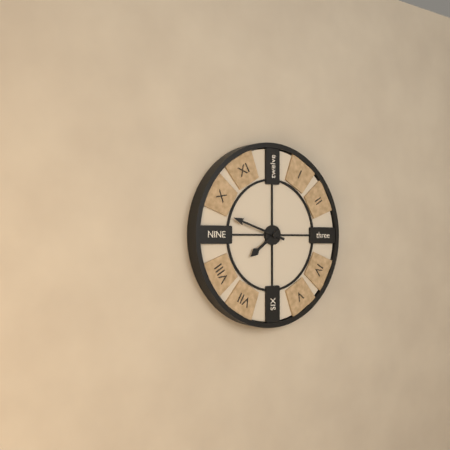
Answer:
h=7 m=48
